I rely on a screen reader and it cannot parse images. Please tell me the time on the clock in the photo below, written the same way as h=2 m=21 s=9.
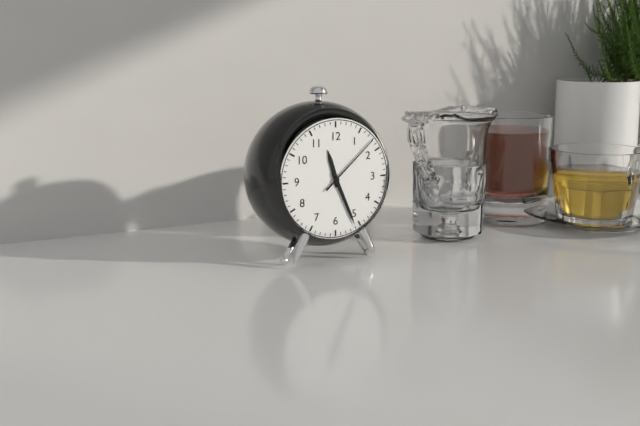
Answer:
h=11 m=26 s=8
